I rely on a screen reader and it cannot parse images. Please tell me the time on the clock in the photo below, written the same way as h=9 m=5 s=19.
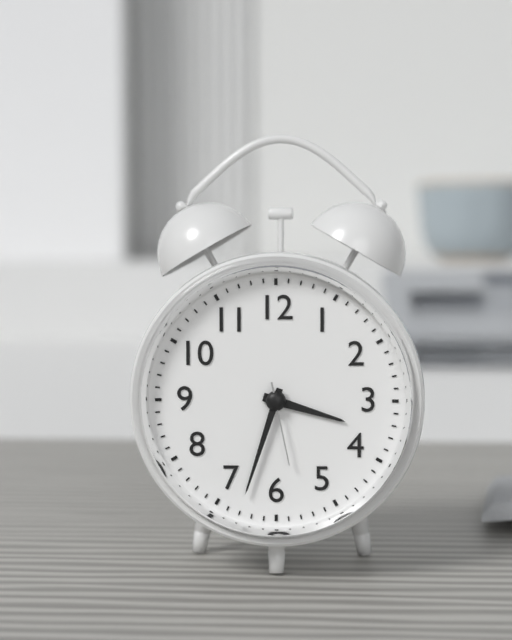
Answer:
h=3 m=33 s=28
